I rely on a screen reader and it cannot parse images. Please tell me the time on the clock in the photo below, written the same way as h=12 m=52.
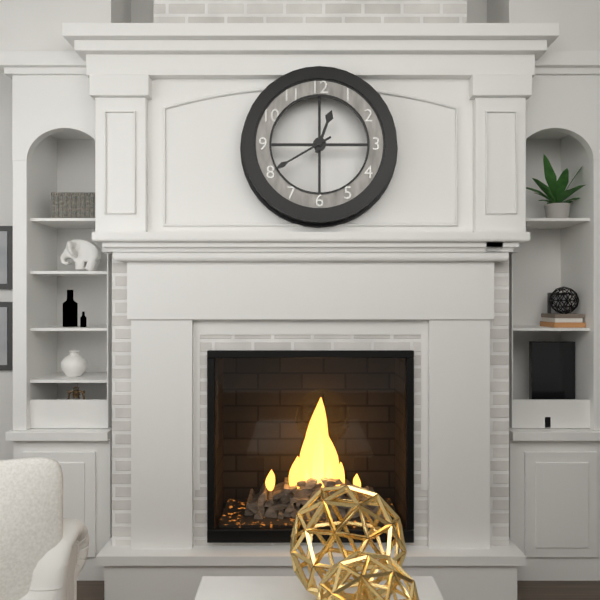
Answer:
h=12 m=40
